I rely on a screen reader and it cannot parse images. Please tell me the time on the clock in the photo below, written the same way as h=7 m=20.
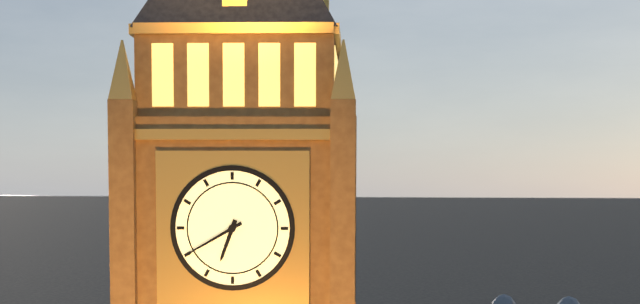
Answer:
h=6 m=40
